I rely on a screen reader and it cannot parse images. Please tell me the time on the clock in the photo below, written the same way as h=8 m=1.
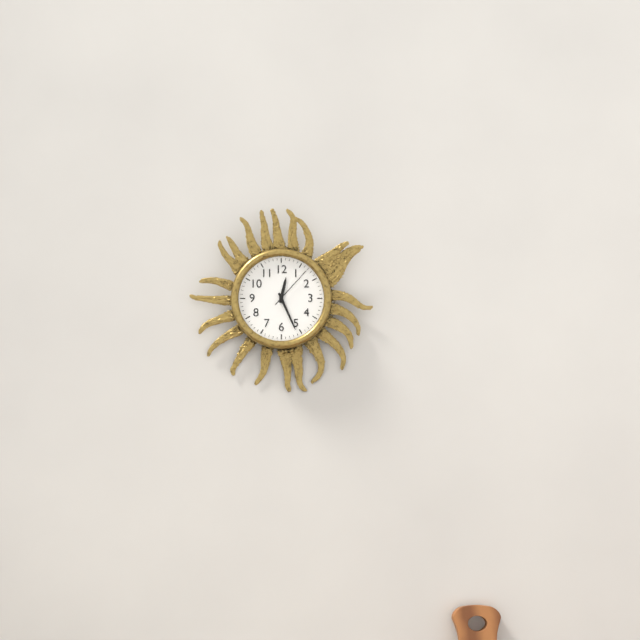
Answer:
h=12 m=26
